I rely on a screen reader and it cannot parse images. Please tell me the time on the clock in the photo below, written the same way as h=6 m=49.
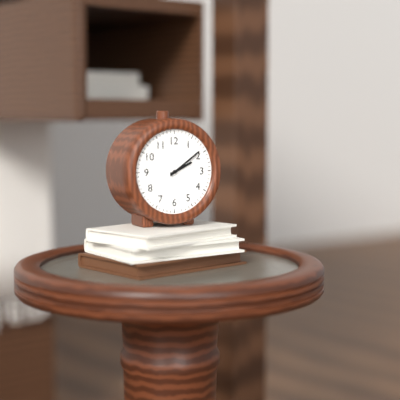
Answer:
h=2 m=9
